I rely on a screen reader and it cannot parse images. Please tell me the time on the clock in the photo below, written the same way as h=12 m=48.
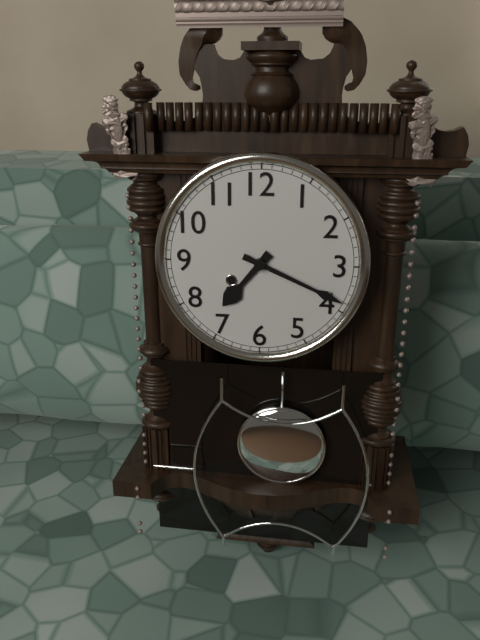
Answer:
h=7 m=19
